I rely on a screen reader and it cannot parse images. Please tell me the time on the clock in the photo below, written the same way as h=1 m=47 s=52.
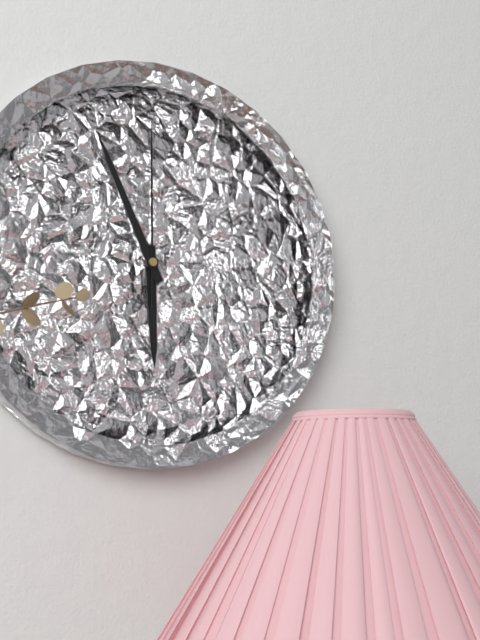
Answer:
h=5 m=56 s=0
